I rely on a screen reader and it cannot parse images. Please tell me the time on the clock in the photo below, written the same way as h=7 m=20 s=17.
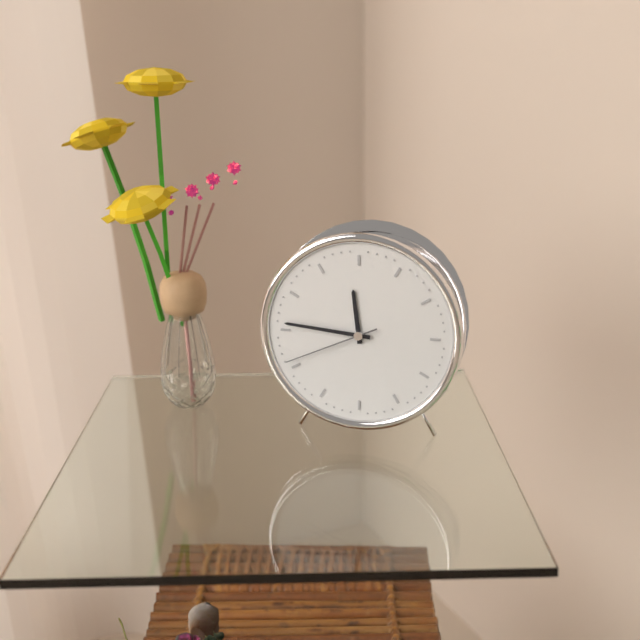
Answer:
h=11 m=46 s=41
